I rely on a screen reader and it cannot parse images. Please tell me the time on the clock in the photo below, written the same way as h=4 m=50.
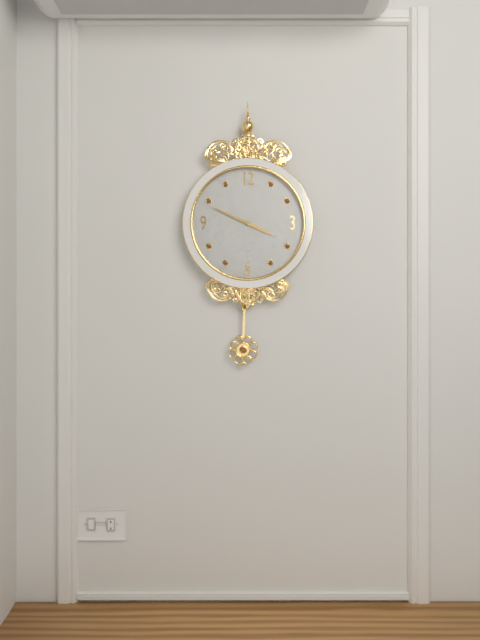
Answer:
h=3 m=49
